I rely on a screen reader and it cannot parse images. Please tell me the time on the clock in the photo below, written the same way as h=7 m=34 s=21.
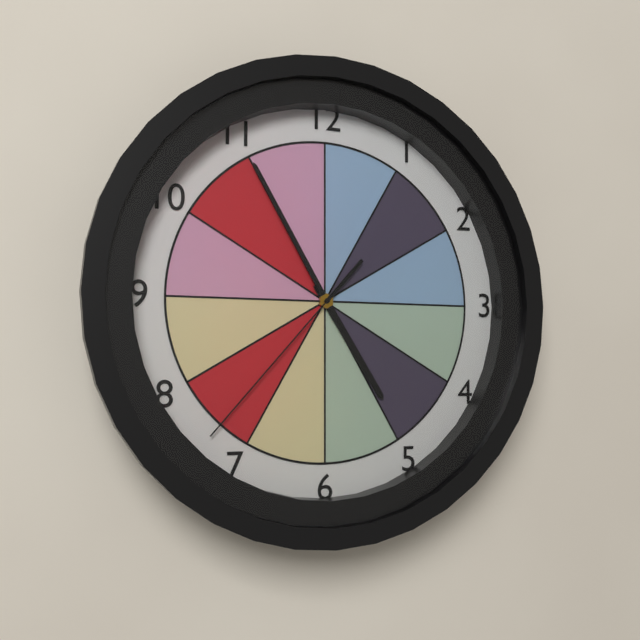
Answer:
h=4 m=55 s=37
